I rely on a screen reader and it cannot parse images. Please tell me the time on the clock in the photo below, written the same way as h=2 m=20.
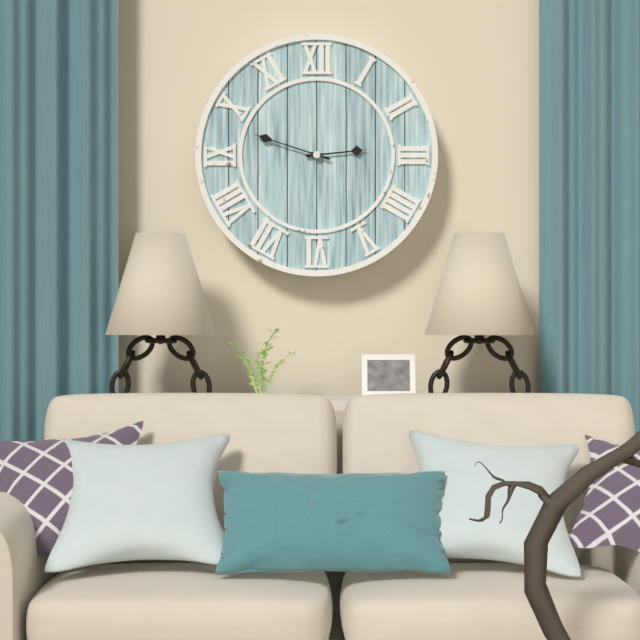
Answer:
h=2 m=48
